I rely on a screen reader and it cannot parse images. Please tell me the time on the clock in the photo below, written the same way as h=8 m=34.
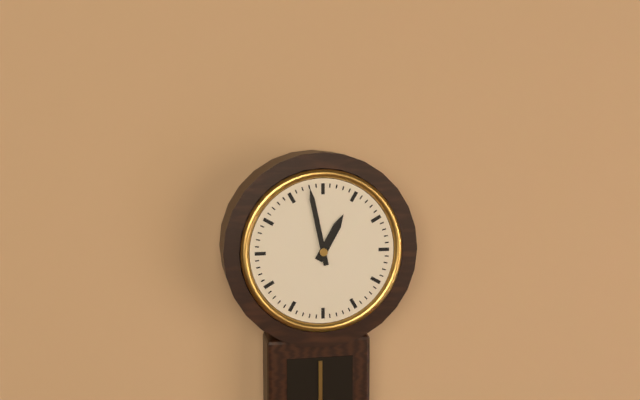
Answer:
h=12 m=58
